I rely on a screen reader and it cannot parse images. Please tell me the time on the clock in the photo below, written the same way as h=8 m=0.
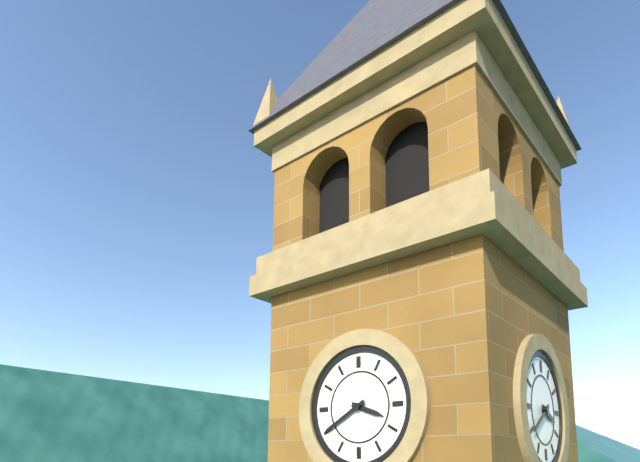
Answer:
h=3 m=40
